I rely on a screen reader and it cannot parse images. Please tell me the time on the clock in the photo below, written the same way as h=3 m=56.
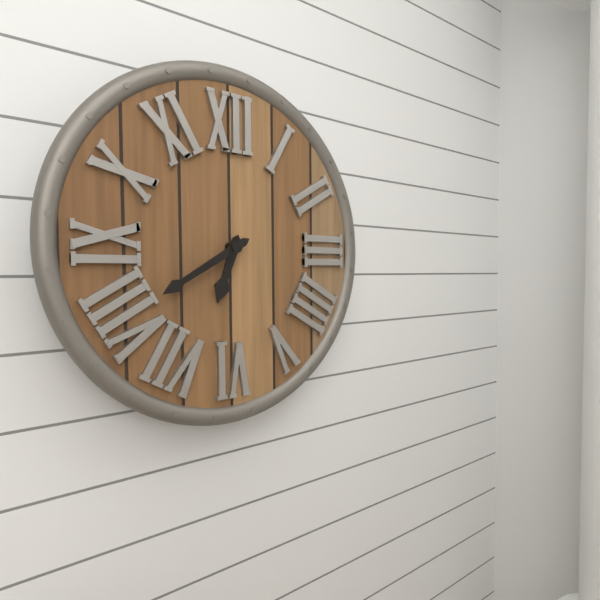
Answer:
h=6 m=40
